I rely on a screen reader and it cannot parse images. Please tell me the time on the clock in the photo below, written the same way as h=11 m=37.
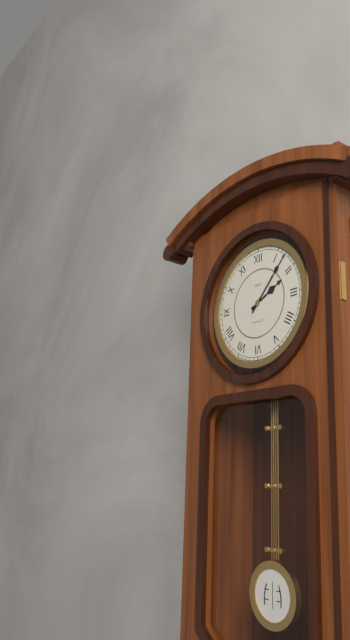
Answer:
h=2 m=7
